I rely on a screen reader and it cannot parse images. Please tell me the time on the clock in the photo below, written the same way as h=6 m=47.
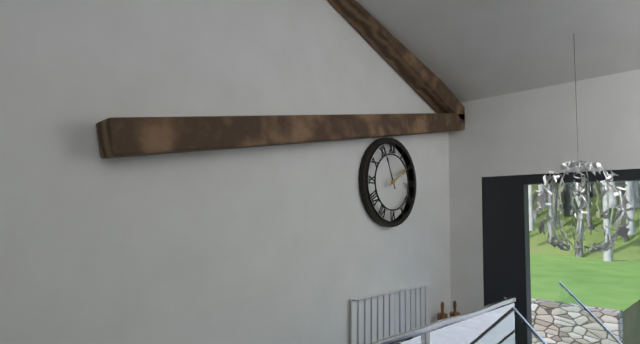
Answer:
h=1 m=56
